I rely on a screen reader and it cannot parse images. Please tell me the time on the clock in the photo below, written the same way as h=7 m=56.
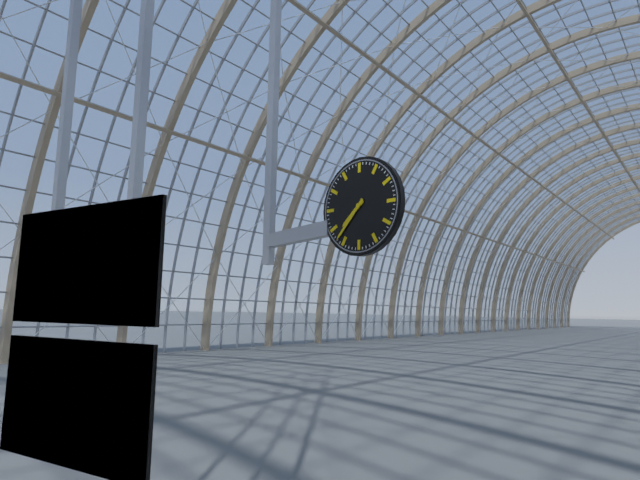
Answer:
h=7 m=37
